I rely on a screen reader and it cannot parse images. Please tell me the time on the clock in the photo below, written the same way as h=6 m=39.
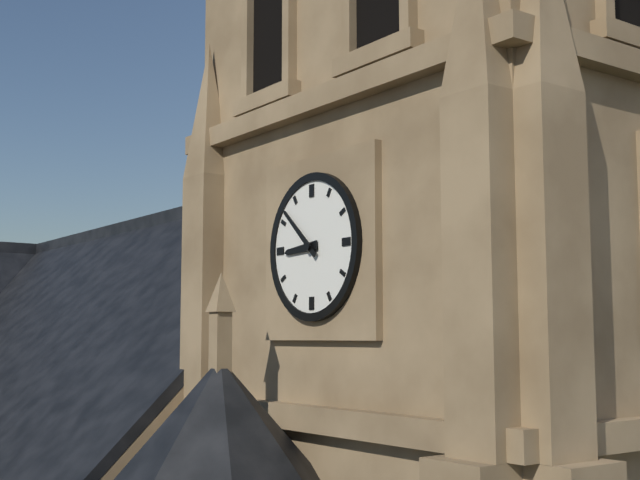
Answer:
h=8 m=52
